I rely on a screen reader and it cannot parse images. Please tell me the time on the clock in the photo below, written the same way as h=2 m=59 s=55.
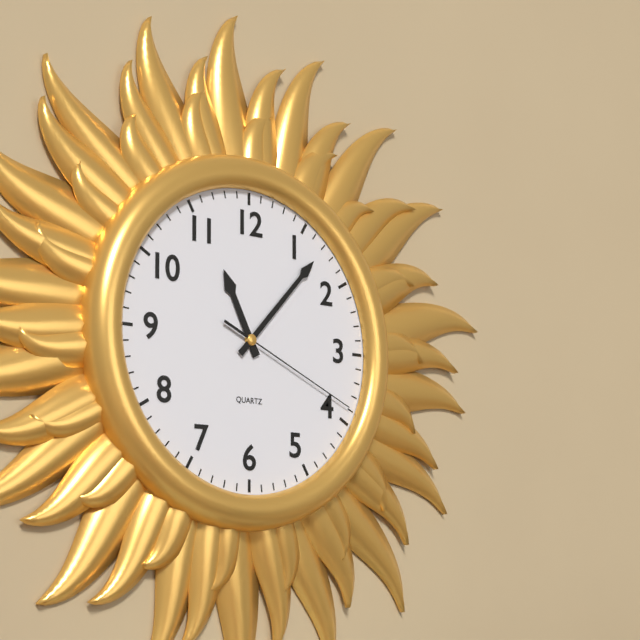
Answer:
h=11 m=7 s=19
